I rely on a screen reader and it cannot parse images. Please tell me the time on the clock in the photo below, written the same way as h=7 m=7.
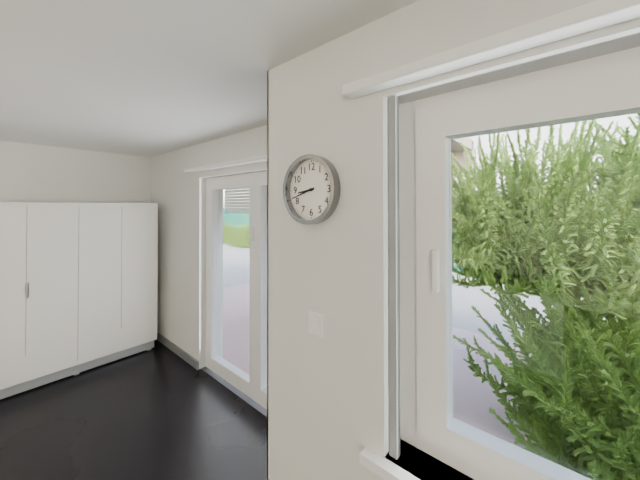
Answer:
h=8 m=42
